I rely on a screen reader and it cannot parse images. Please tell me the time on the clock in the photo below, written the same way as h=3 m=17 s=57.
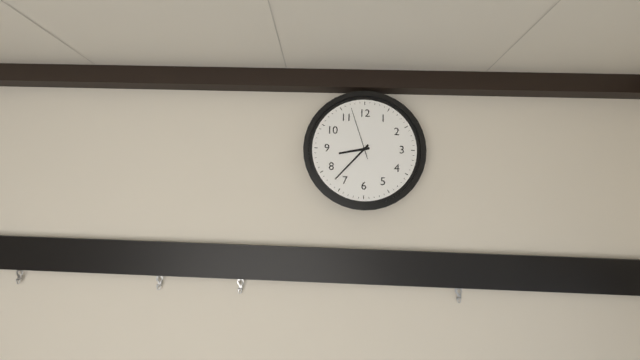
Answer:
h=8 m=37 s=57
